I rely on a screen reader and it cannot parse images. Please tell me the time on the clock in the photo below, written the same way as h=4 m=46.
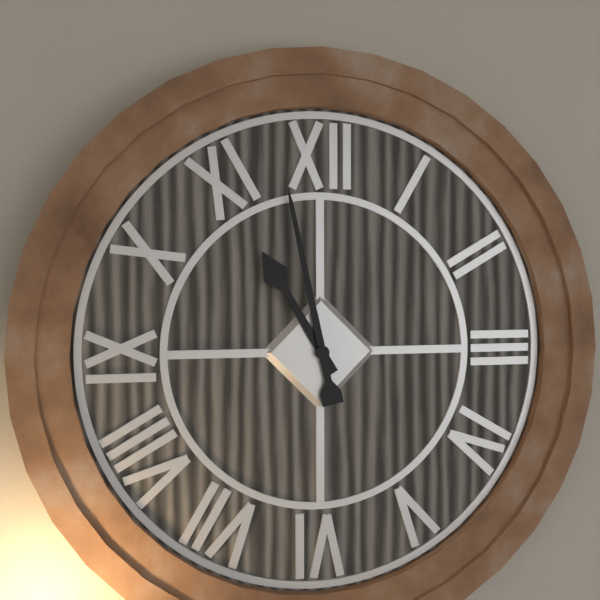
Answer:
h=10 m=58
